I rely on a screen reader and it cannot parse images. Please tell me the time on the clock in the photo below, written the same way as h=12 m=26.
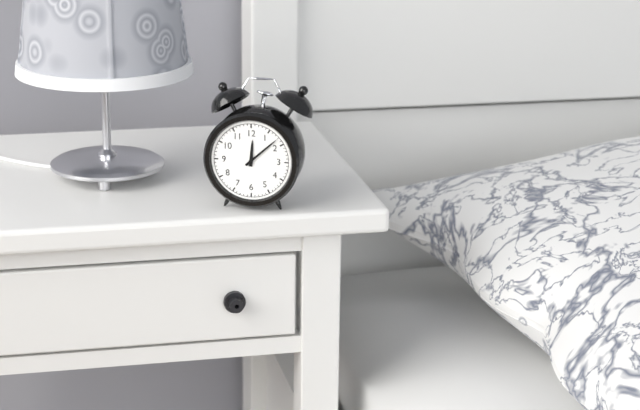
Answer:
h=12 m=8
